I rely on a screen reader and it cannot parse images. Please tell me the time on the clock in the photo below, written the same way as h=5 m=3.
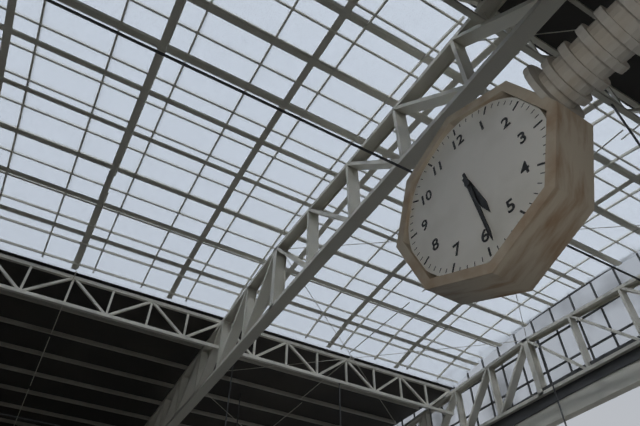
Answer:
h=5 m=29
